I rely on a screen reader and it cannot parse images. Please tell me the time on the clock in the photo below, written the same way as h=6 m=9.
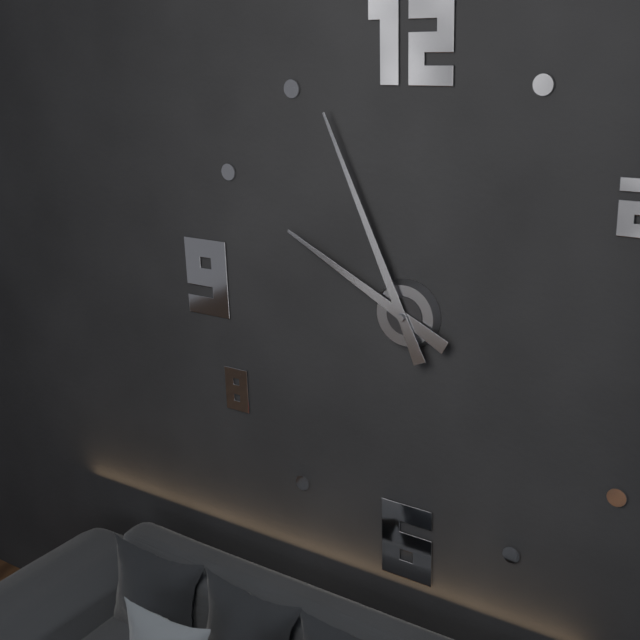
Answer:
h=9 m=56
